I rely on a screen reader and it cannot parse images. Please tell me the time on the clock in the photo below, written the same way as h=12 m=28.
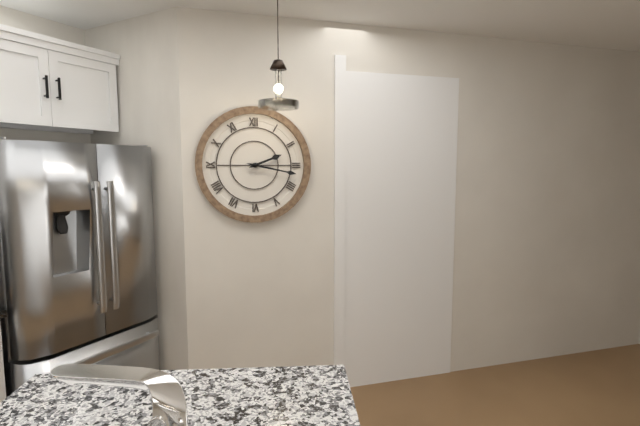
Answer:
h=2 m=17
